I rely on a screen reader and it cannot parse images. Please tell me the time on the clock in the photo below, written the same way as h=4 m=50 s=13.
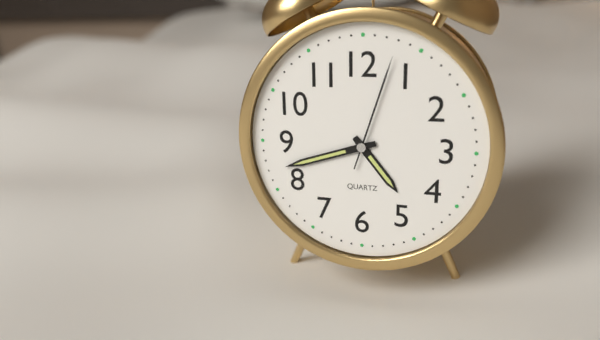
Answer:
h=4 m=42 s=3
